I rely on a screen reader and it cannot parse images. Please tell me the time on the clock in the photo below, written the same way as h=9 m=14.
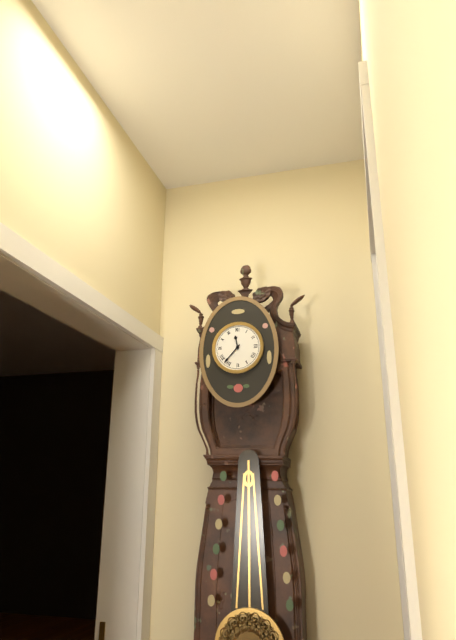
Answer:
h=11 m=37
